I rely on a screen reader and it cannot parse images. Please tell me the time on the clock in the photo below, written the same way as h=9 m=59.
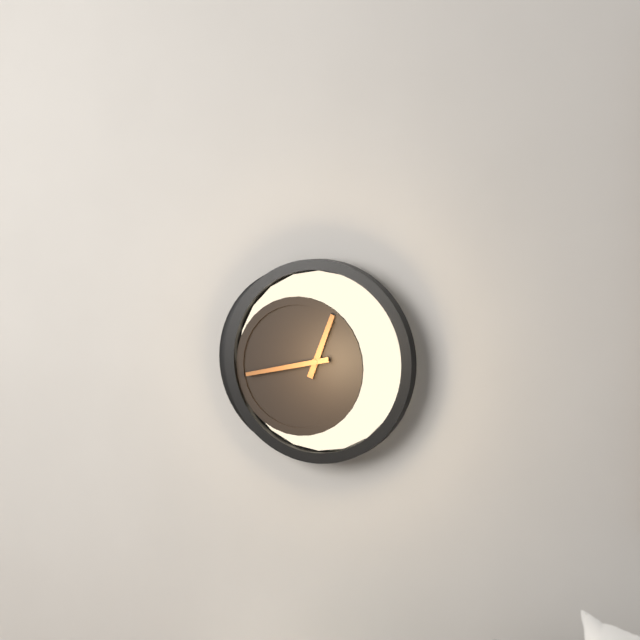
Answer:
h=12 m=43
